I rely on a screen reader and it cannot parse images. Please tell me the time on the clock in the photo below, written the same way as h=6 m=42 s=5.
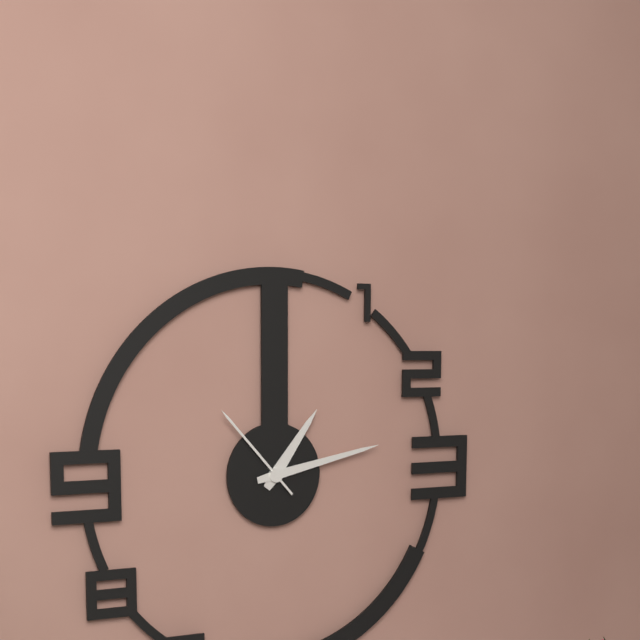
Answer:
h=1 m=13 s=53
